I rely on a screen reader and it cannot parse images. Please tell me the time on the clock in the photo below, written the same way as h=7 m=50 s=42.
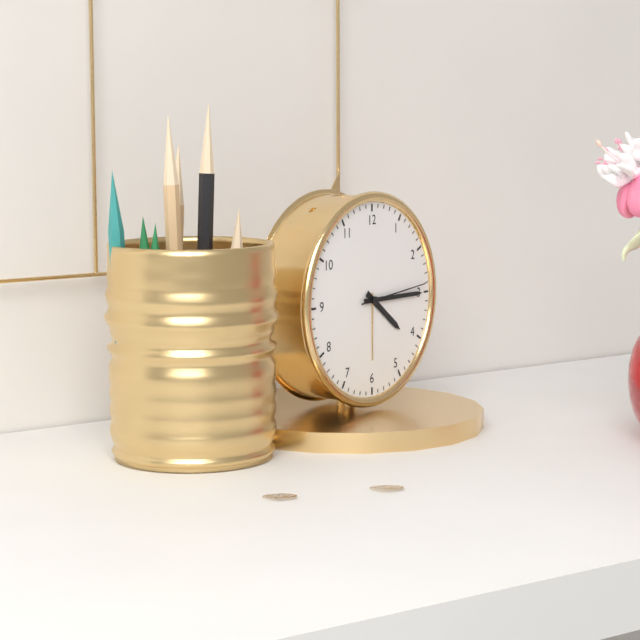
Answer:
h=4 m=15 s=14
